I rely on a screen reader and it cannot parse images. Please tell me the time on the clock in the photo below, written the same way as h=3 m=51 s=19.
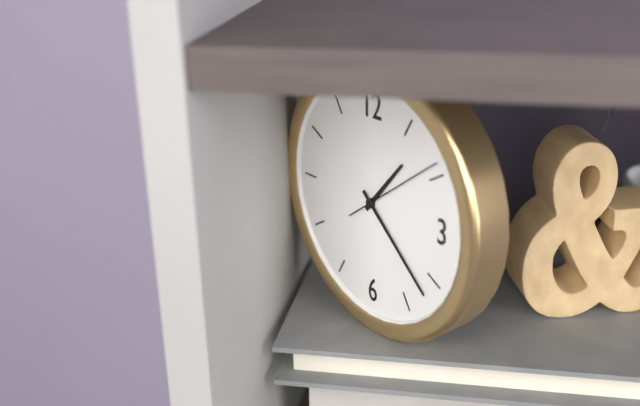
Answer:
h=1 m=22 s=9
